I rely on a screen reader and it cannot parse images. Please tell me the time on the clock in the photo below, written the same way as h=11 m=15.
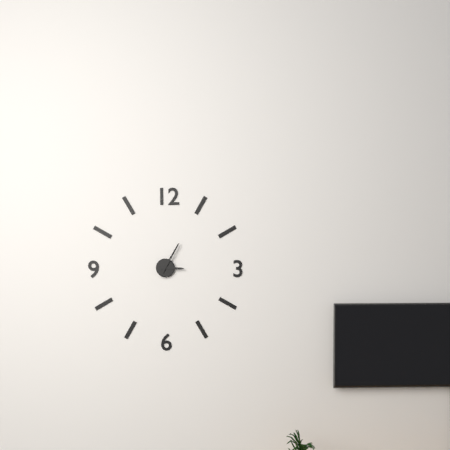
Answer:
h=3 m=5
